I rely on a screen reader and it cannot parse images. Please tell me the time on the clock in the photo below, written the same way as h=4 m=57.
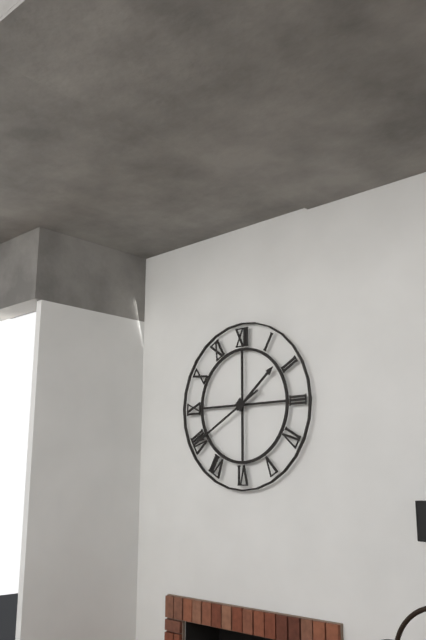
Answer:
h=1 m=40
